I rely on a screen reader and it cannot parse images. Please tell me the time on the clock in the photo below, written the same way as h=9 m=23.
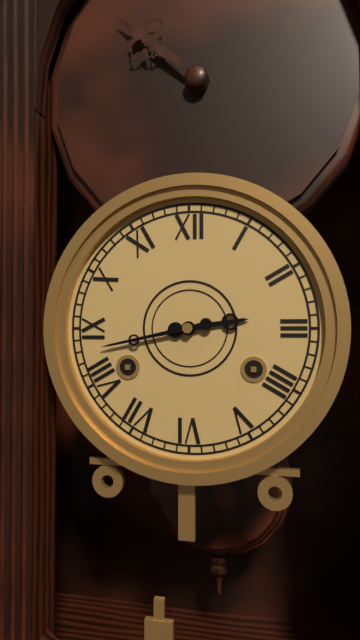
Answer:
h=2 m=43
